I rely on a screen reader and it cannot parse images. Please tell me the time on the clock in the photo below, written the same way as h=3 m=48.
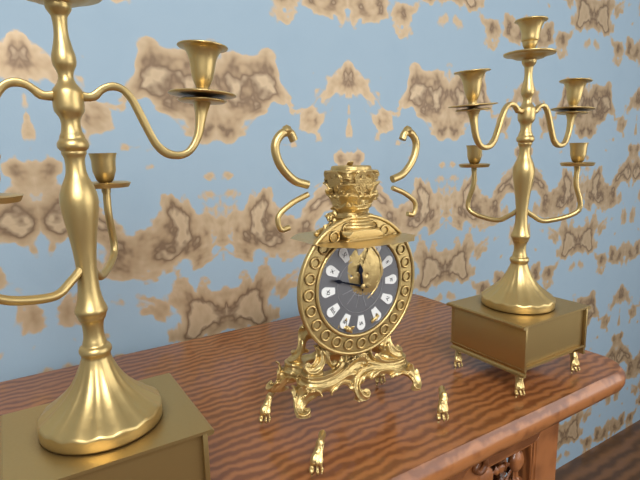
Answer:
h=11 m=48
